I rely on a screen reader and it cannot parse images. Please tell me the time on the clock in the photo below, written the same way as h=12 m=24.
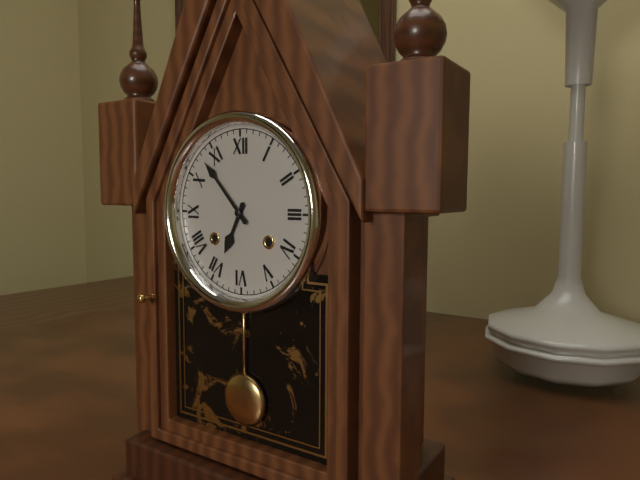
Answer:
h=6 m=53
